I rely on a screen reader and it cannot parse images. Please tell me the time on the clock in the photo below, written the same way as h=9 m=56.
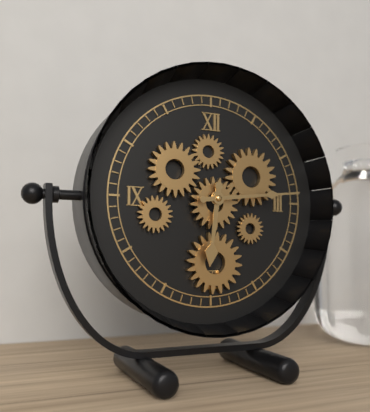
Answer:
h=6 m=14
